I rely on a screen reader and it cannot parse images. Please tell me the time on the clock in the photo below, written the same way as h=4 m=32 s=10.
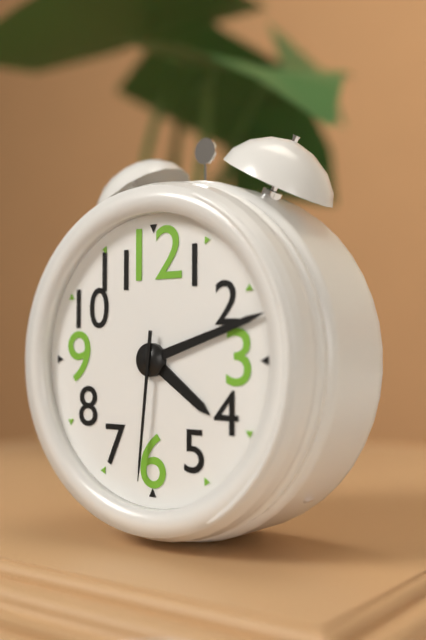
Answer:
h=4 m=12 s=31
